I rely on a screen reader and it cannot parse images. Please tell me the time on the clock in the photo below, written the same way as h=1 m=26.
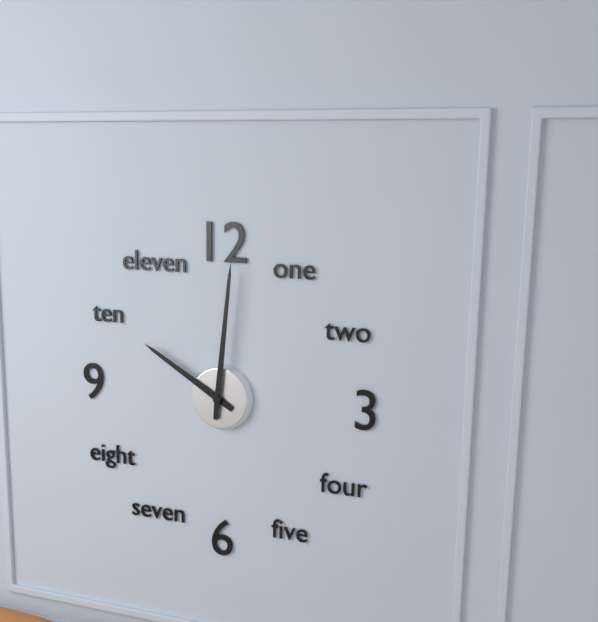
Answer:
h=10 m=1
